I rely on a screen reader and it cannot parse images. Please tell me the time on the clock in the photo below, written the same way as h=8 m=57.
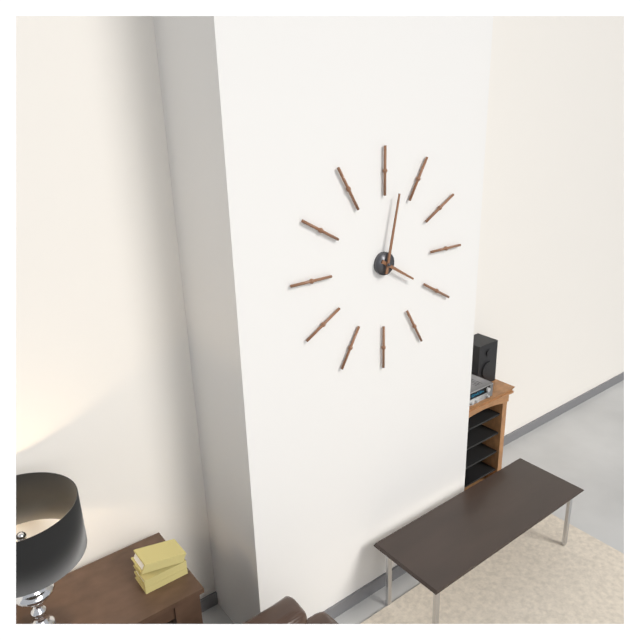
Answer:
h=4 m=2
